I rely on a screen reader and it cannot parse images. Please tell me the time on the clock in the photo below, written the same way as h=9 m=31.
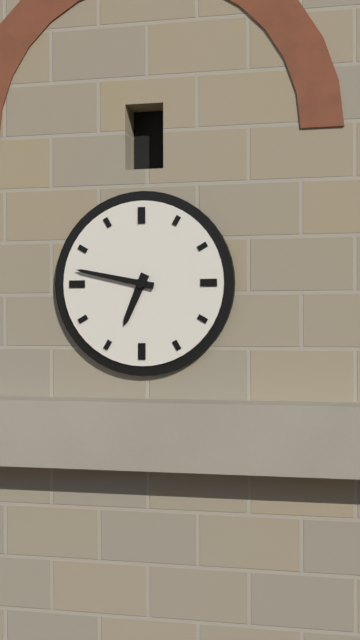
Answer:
h=6 m=47
